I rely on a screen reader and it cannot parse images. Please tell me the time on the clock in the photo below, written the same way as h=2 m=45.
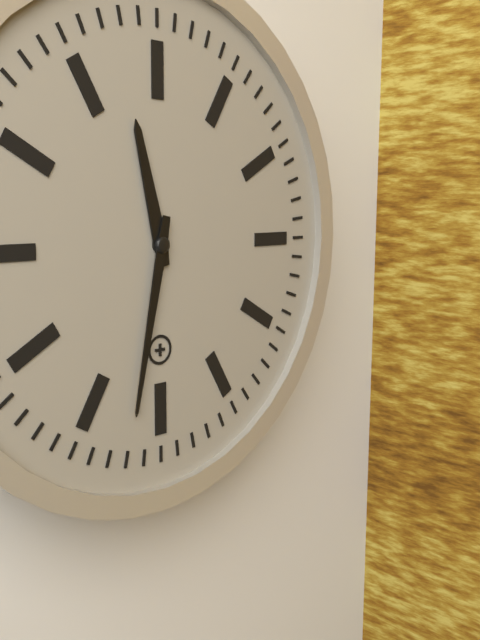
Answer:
h=11 m=32
